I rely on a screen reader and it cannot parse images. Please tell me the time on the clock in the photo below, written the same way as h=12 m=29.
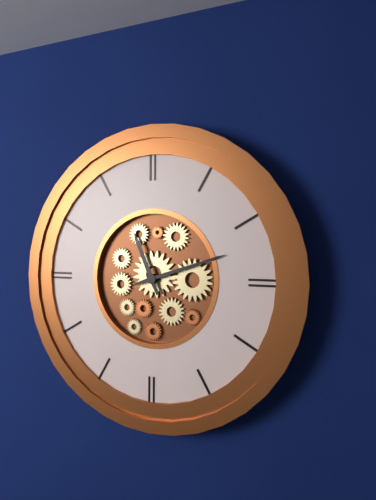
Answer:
h=11 m=12
